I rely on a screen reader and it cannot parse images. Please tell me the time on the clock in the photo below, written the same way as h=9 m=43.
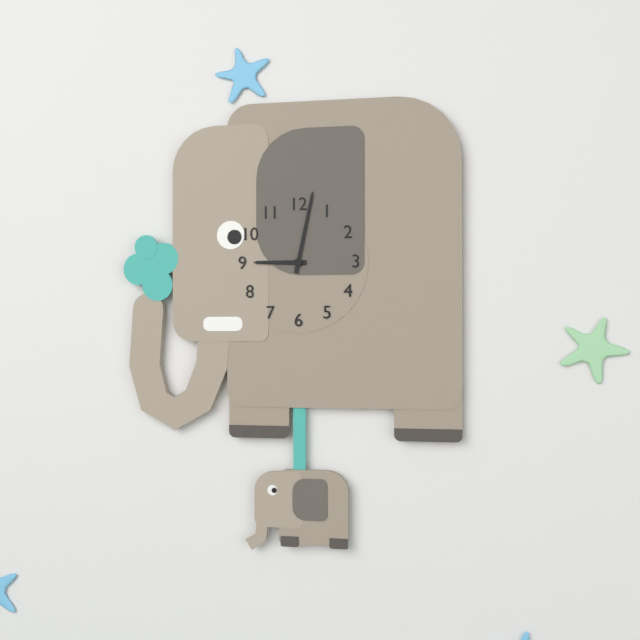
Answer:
h=9 m=2
